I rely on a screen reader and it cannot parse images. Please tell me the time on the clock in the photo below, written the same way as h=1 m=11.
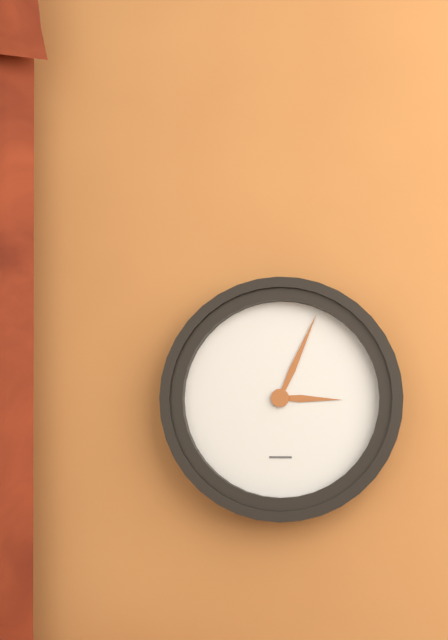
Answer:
h=3 m=4
